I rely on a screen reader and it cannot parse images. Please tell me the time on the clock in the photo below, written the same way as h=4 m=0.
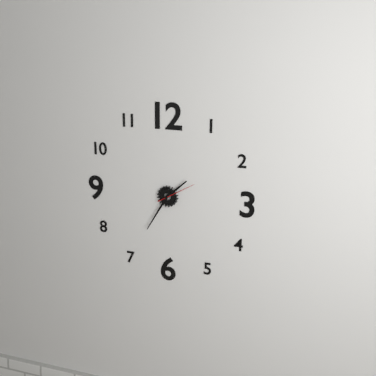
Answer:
h=1 m=35
